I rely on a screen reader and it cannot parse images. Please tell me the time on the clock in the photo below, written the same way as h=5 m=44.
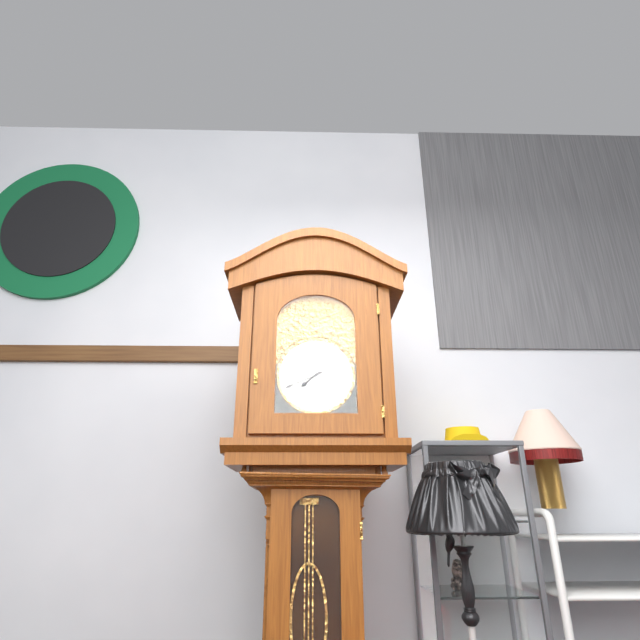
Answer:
h=7 m=41
